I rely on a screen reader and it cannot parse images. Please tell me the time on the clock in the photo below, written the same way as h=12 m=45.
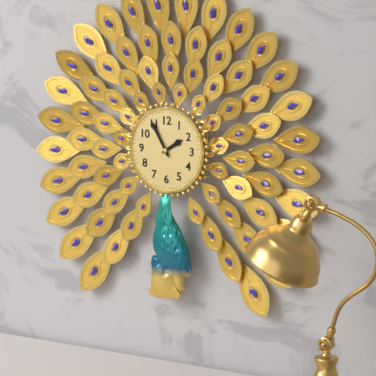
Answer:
h=1 m=55
